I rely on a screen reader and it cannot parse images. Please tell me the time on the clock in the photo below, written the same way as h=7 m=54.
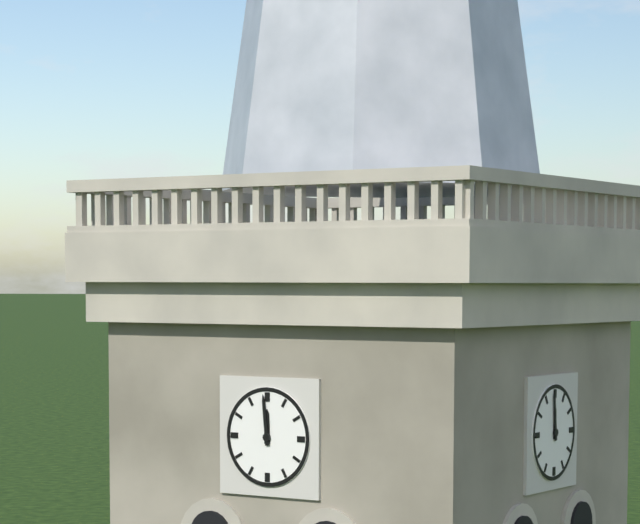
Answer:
h=11 m=59
